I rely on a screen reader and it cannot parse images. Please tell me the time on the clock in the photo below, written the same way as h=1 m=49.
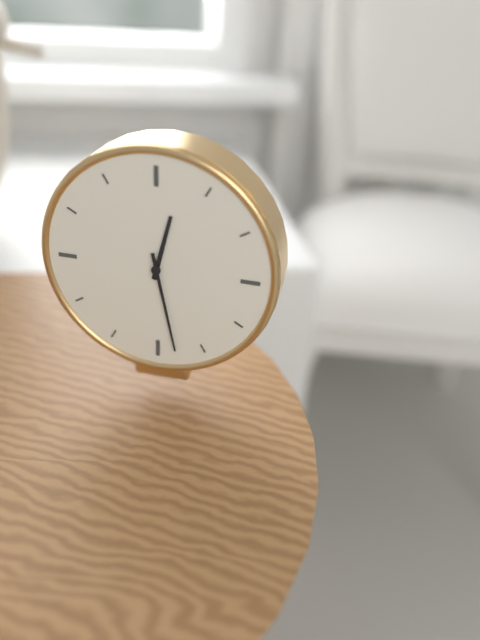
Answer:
h=12 m=28
